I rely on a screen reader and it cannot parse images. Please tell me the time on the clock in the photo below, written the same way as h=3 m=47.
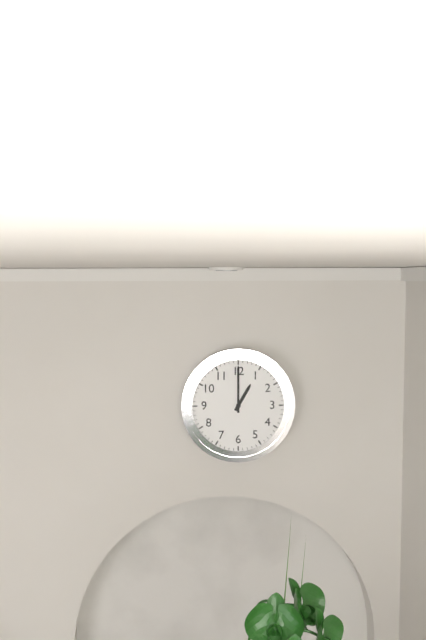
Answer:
h=1 m=0
